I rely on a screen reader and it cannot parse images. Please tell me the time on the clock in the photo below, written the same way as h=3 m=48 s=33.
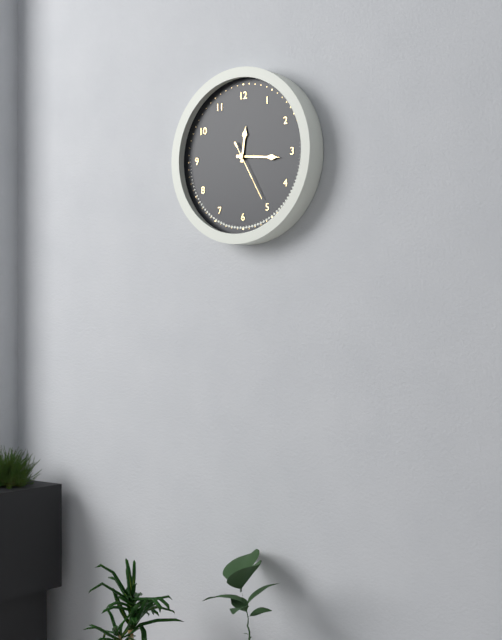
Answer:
h=12 m=16 s=25
